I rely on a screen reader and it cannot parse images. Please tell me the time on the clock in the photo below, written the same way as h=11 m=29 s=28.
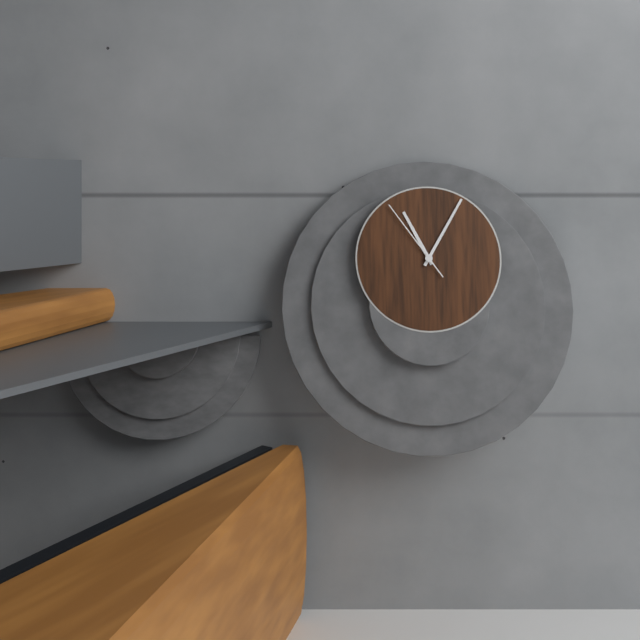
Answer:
h=11 m=5 s=54
